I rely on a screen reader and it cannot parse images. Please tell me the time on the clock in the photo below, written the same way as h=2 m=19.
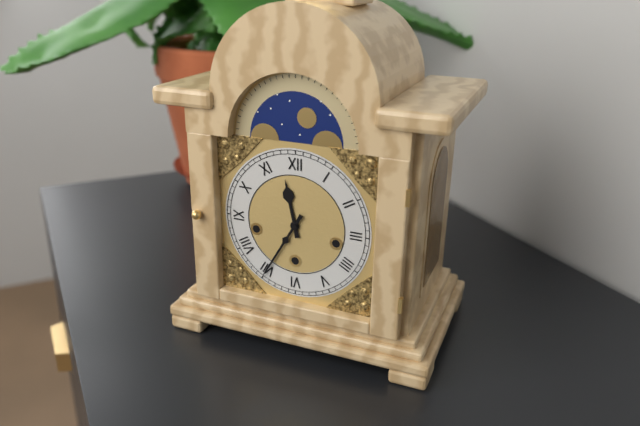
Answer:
h=11 m=35
